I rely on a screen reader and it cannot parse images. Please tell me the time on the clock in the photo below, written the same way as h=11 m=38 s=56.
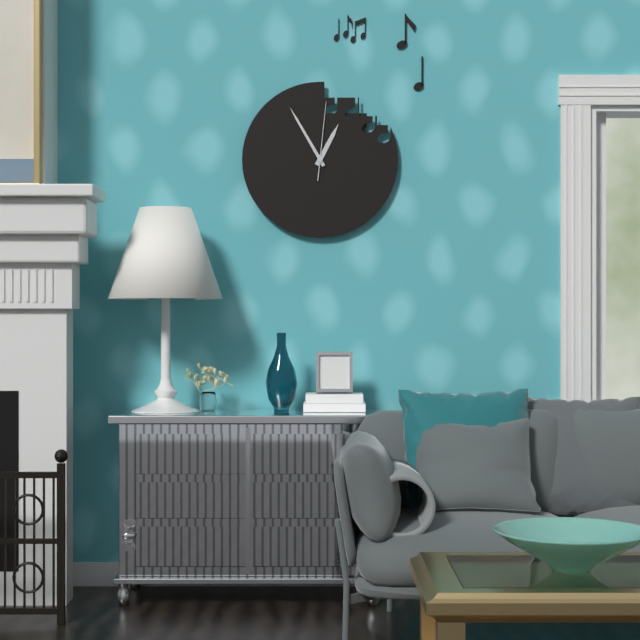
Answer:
h=12 m=55 s=1
